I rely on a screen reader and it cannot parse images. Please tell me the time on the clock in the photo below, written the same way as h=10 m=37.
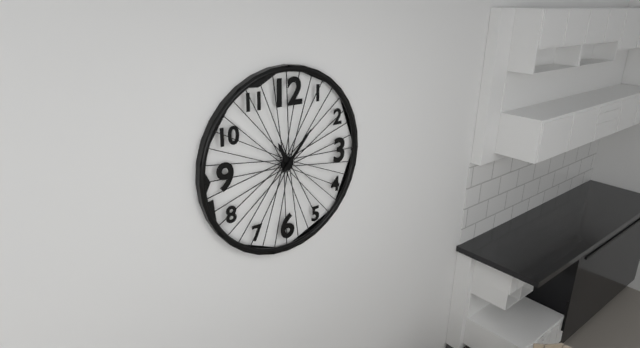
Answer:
h=11 m=7
